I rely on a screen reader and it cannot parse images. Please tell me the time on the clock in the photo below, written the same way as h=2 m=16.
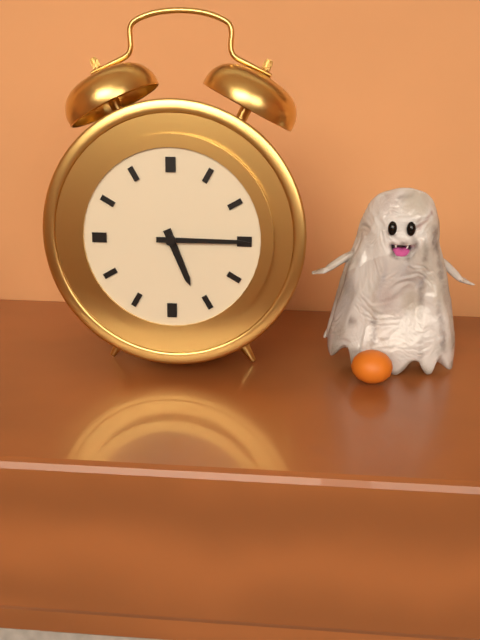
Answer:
h=5 m=15
